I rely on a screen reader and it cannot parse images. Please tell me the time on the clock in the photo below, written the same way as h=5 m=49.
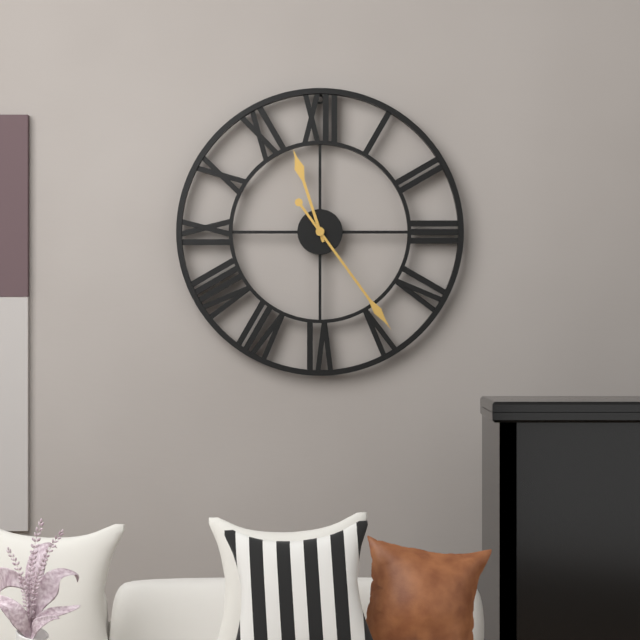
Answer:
h=11 m=24
